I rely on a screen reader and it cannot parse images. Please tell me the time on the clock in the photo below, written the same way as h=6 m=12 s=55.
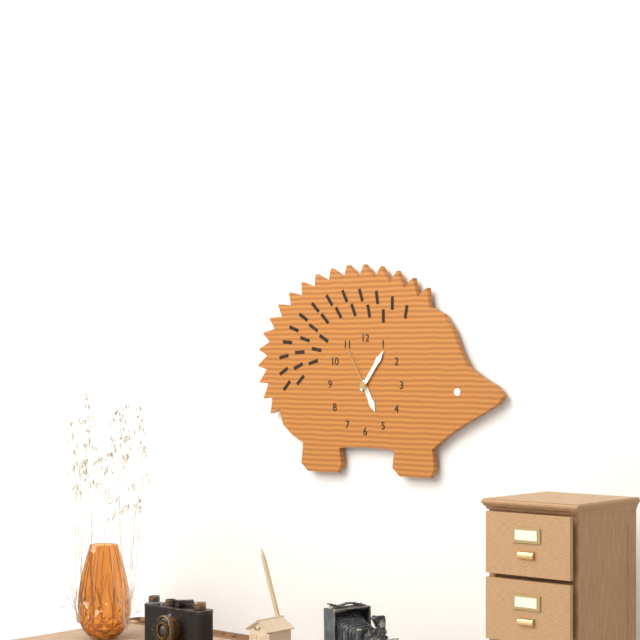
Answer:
h=5 m=6 s=55
